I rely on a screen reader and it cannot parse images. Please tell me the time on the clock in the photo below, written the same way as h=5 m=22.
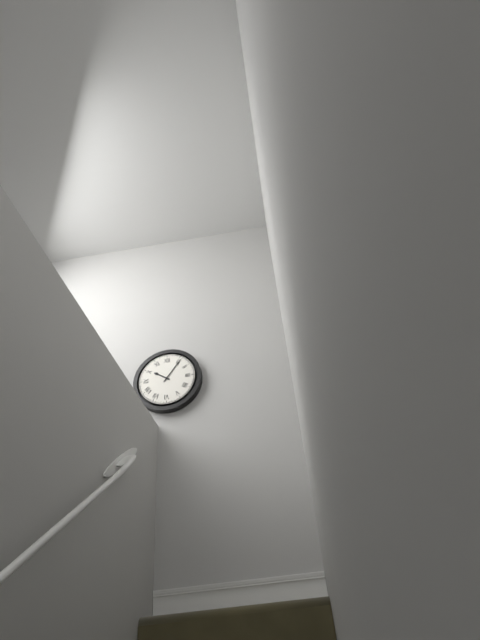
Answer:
h=10 m=6
